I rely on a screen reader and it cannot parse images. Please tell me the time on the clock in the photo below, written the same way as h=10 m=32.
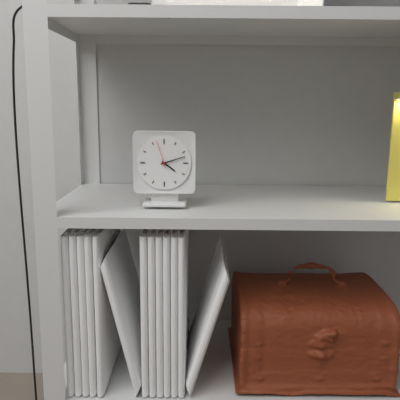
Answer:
h=4 m=12
